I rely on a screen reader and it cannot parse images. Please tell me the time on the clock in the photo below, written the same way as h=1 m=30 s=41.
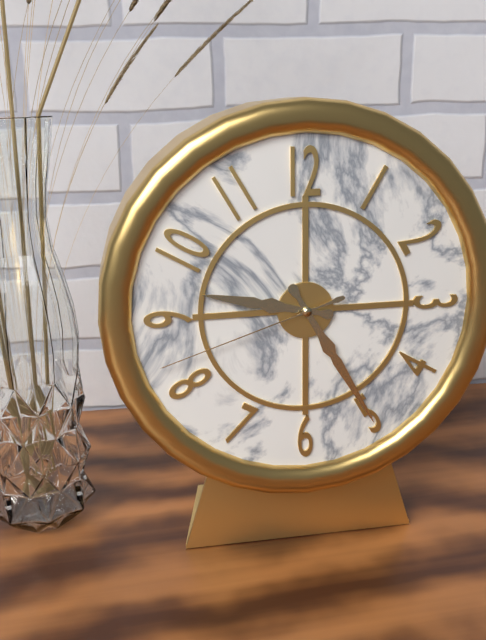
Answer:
h=9 m=25 s=42
